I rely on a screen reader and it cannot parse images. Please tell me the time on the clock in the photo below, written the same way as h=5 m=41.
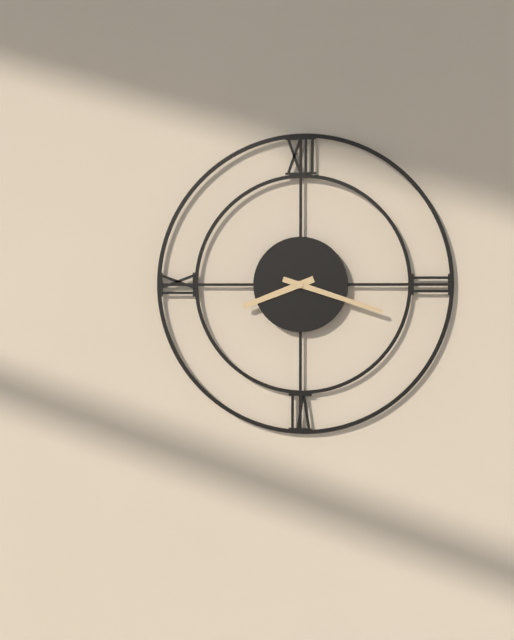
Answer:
h=8 m=18
